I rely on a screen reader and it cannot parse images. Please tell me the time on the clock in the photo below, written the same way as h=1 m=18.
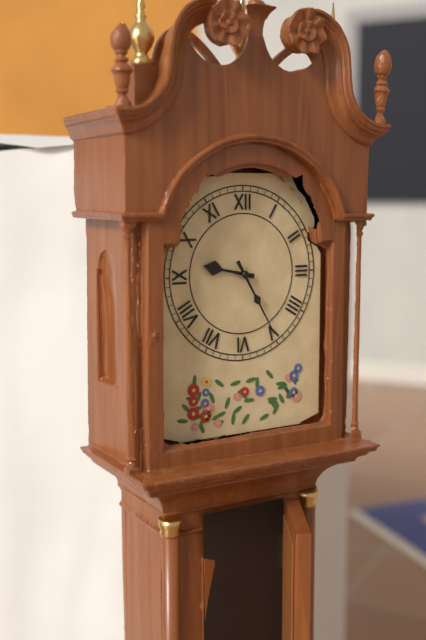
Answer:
h=9 m=25
